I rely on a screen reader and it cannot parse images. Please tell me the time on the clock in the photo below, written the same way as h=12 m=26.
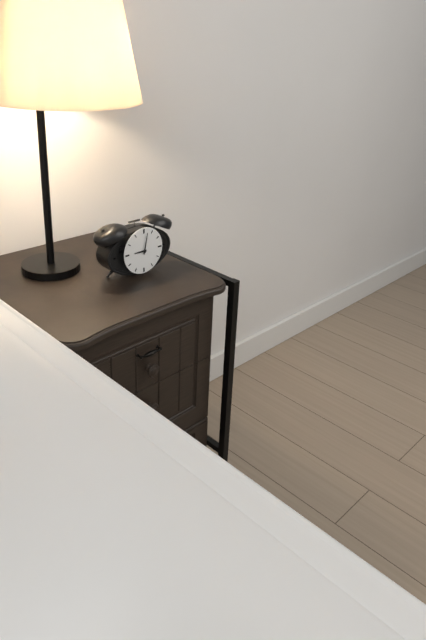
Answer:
h=9 m=2
